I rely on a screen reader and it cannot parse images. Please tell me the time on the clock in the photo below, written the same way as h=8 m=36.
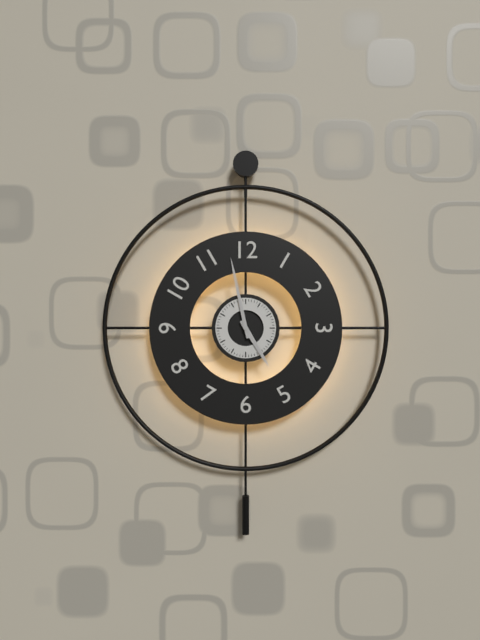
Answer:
h=4 m=58
